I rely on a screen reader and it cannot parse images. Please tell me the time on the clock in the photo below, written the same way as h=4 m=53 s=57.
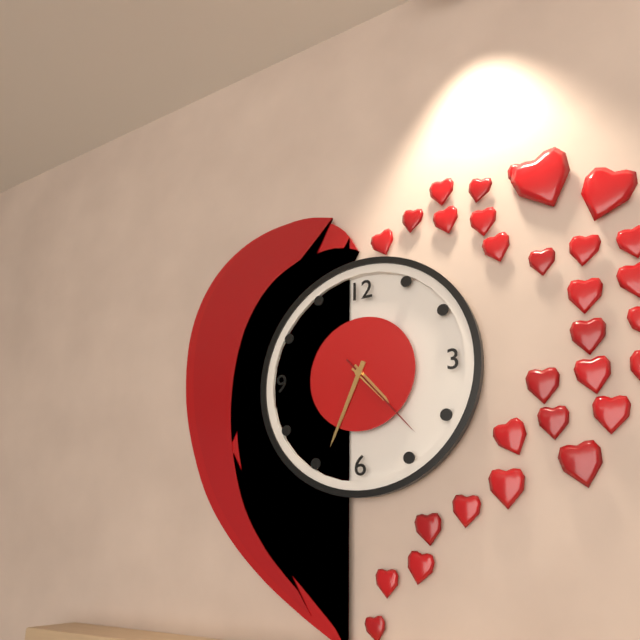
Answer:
h=4 m=34 s=23
